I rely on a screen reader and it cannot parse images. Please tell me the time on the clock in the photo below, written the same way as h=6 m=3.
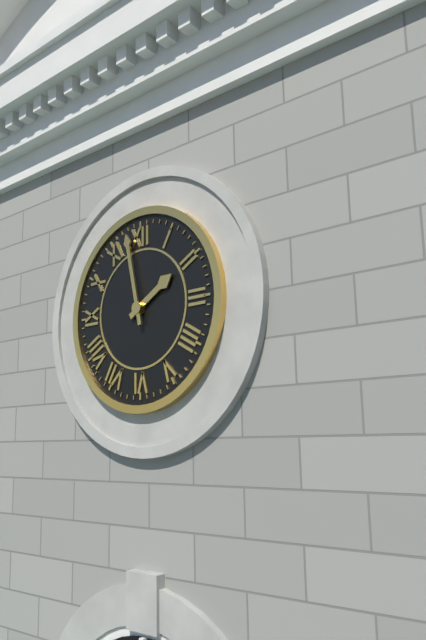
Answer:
h=1 m=58
